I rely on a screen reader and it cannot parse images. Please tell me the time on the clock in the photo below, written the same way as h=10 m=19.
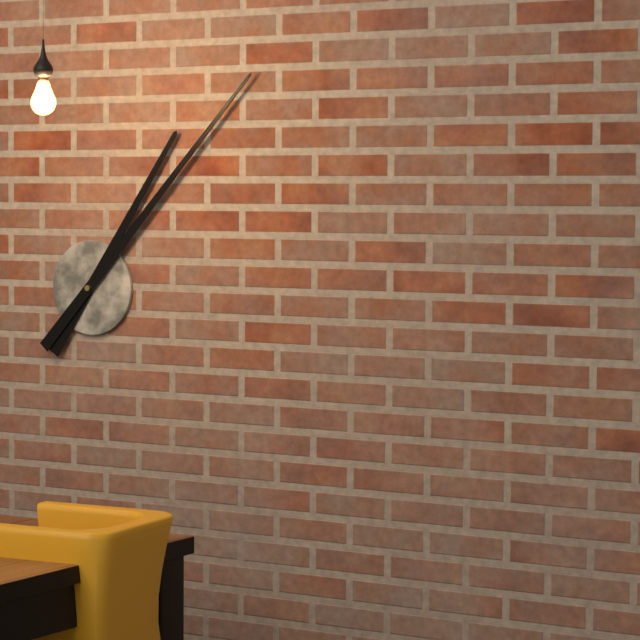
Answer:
h=1 m=7
